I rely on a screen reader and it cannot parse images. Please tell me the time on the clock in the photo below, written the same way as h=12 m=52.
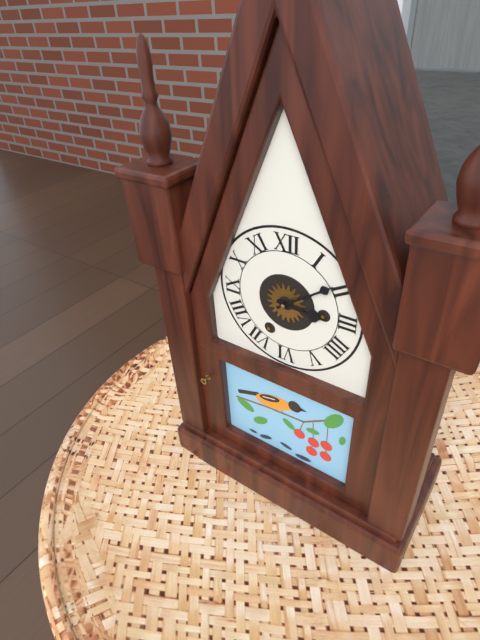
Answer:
h=3 m=9
